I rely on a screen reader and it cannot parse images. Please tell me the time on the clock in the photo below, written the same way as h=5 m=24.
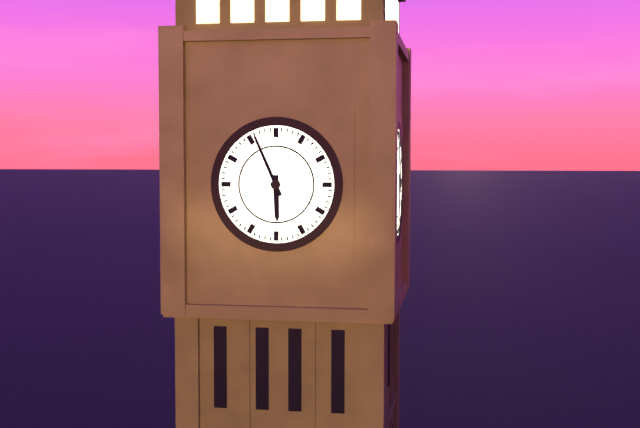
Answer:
h=5 m=56
